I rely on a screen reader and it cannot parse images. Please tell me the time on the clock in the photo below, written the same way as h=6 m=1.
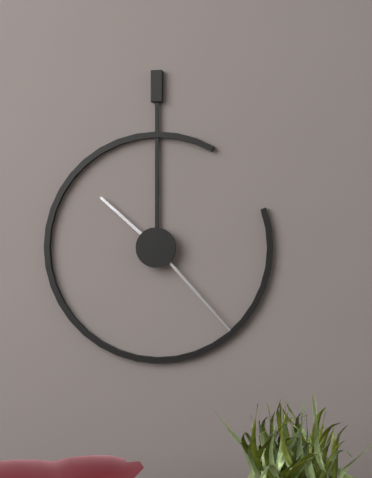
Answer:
h=10 m=23
